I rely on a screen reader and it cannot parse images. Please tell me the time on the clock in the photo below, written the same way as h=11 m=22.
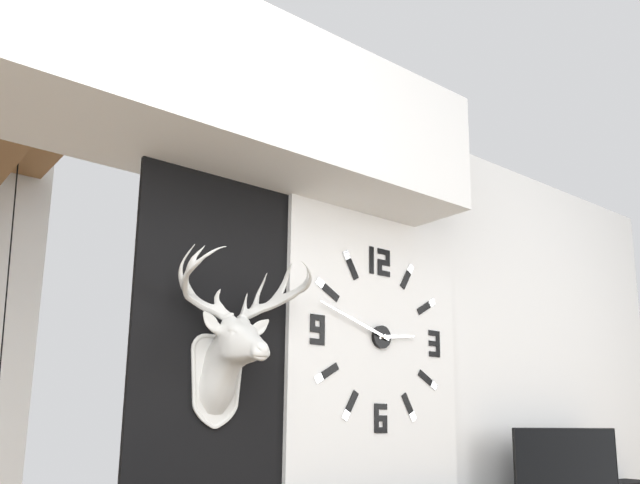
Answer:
h=2 m=48
